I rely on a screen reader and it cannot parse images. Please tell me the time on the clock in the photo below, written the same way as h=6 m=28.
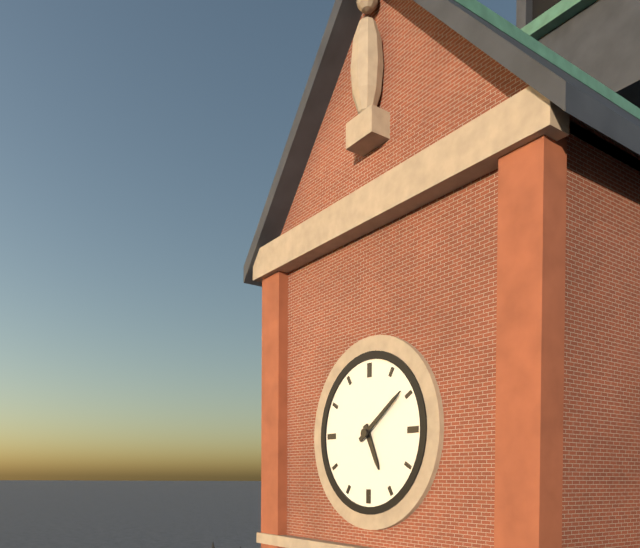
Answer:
h=5 m=9
